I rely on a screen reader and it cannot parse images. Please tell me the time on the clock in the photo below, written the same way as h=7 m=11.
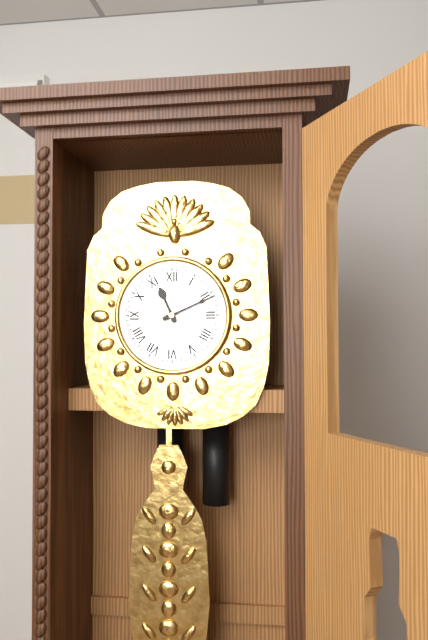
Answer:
h=11 m=11
